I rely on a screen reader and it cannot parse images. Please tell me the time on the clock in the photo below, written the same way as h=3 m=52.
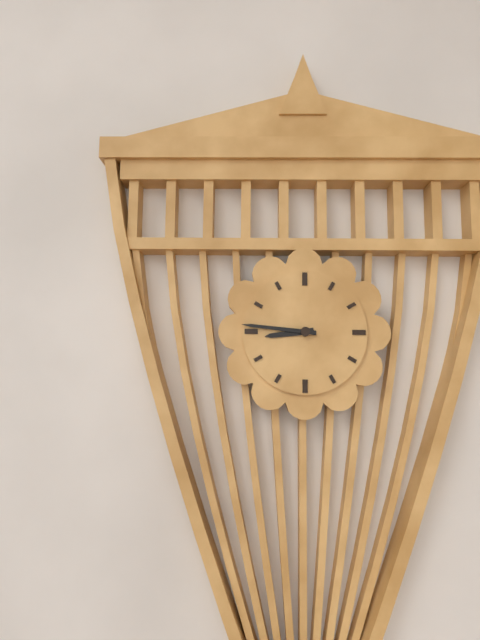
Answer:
h=8 m=46
